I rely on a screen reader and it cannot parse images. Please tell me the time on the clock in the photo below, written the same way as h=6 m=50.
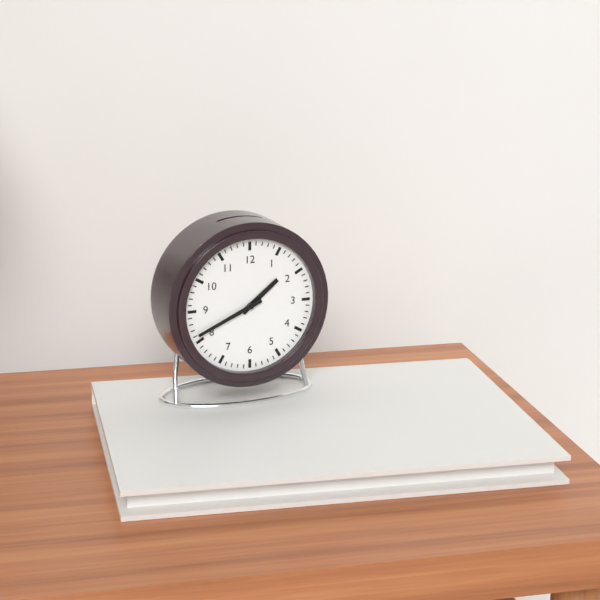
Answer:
h=1 m=41
